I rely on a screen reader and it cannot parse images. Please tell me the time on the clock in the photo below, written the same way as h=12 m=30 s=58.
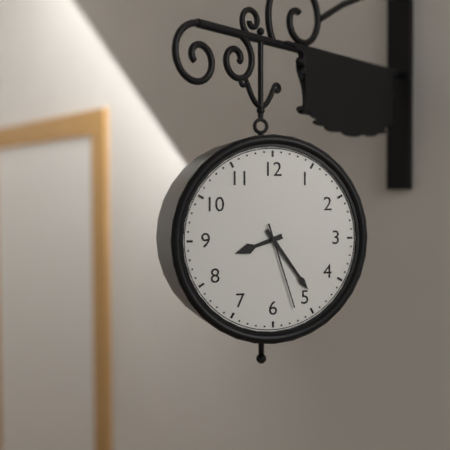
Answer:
h=8 m=24 s=27
